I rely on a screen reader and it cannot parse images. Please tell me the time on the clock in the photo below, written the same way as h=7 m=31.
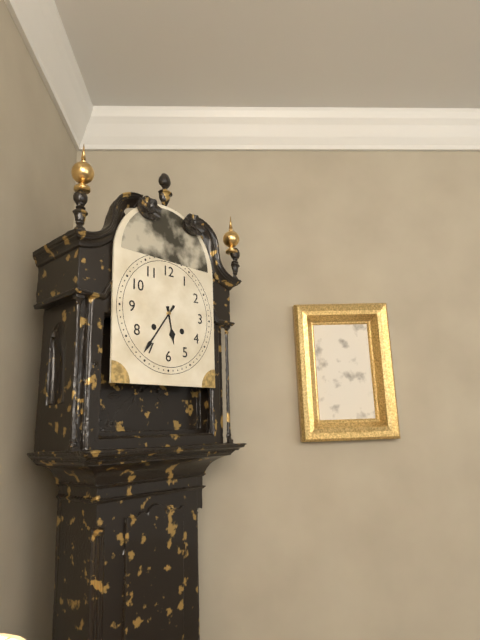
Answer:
h=5 m=36
